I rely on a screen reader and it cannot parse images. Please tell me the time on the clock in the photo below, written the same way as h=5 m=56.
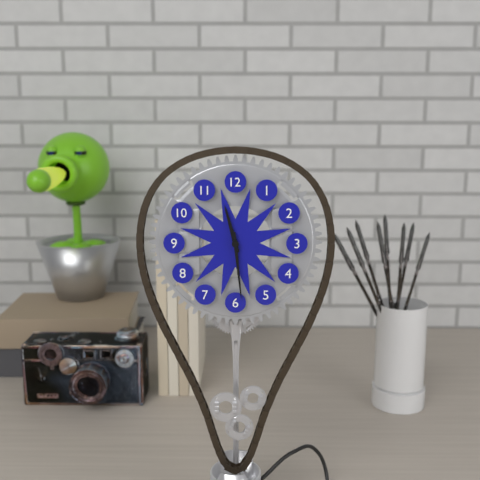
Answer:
h=11 m=29
